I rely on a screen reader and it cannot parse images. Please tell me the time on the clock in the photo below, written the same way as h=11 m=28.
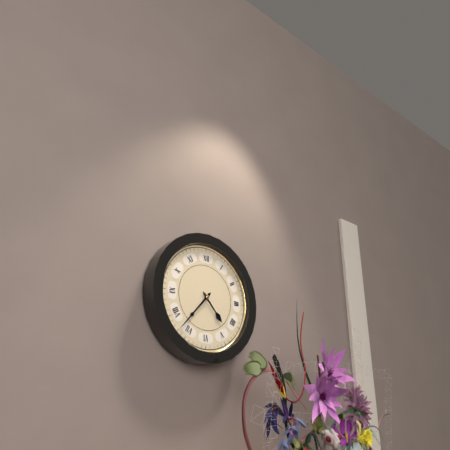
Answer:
h=4 m=37
